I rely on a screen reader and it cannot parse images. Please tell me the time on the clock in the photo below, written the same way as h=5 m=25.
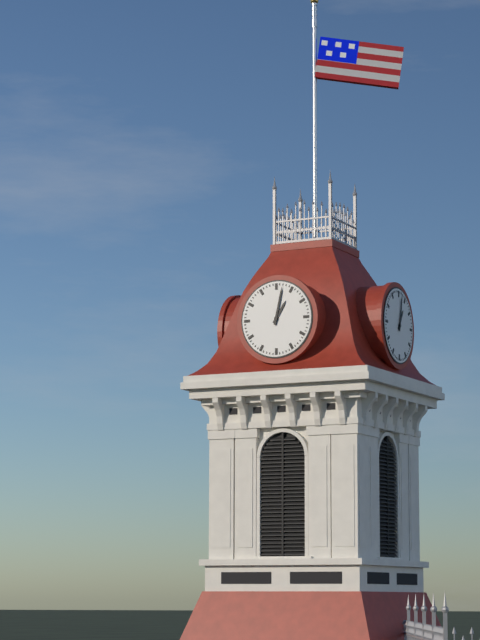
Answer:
h=1 m=2
